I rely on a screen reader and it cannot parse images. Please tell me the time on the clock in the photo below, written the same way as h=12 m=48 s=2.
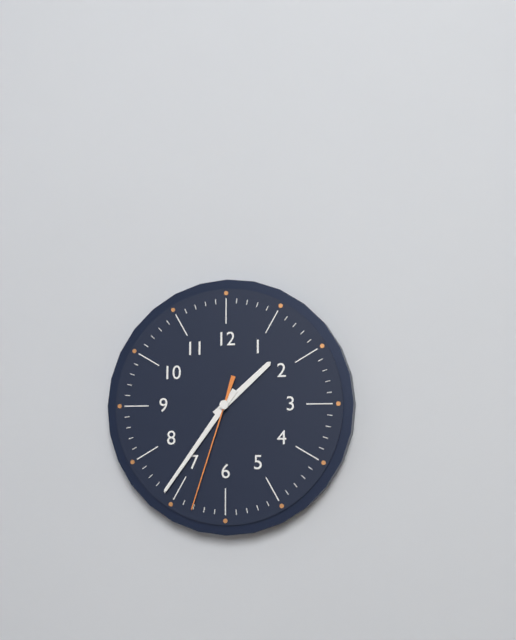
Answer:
h=1 m=36 s=33
